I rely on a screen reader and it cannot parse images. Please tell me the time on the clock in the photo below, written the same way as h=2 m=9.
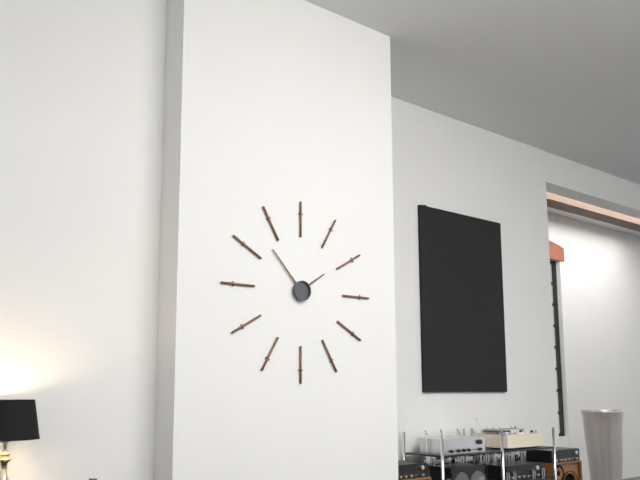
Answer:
h=1 m=53
